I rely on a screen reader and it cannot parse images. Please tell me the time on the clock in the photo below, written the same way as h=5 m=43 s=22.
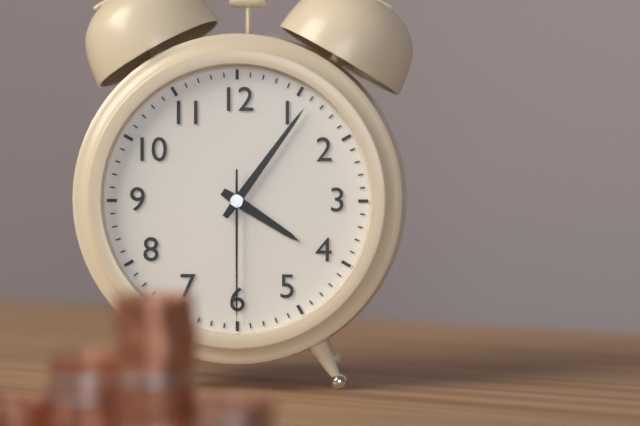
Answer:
h=4 m=6 s=30
